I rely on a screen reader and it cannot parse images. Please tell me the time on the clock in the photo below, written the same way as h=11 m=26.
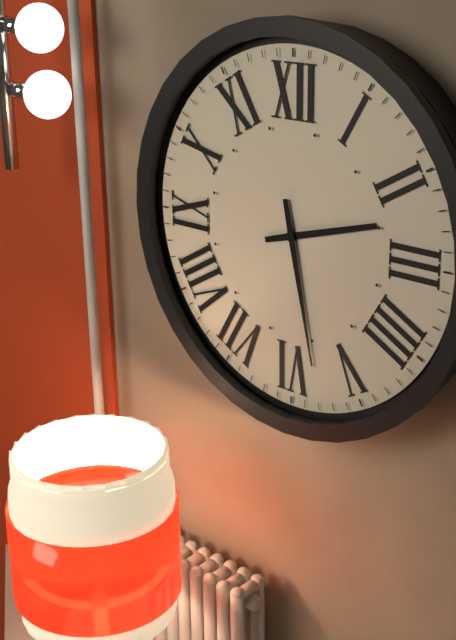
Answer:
h=2 m=28
